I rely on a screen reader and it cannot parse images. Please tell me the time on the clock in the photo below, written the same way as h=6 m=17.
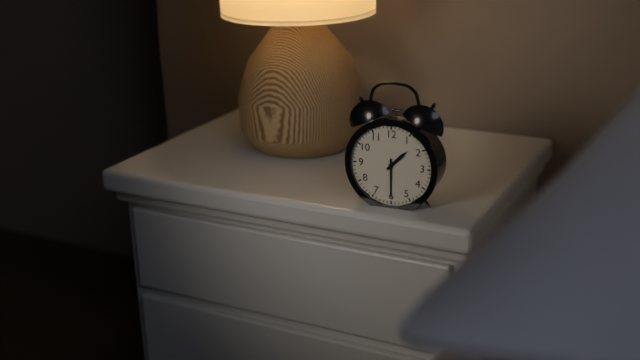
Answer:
h=1 m=30
